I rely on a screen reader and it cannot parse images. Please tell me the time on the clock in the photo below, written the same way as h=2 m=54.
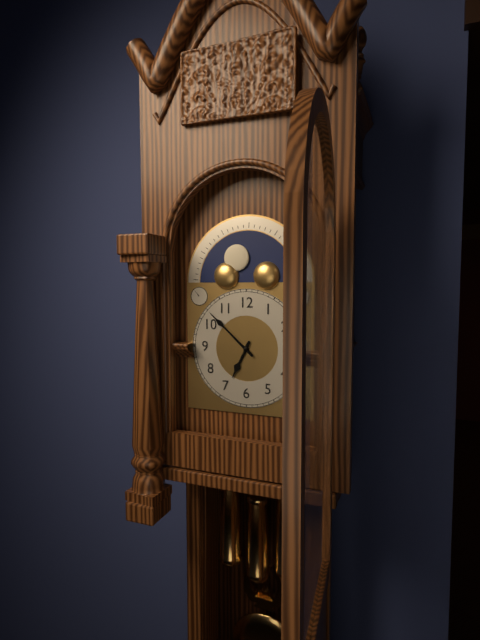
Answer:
h=6 m=52
